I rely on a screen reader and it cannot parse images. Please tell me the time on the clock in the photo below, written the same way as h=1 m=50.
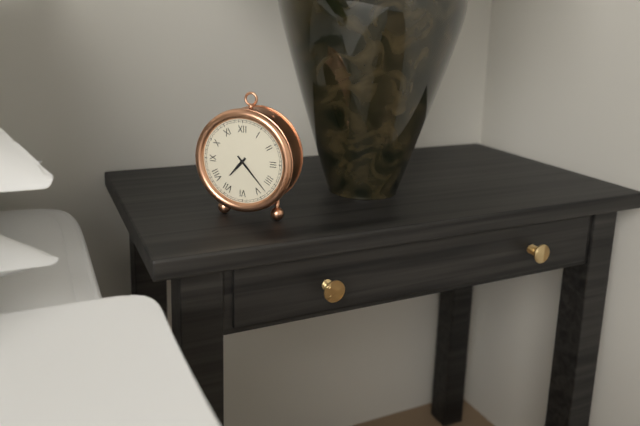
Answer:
h=7 m=23
